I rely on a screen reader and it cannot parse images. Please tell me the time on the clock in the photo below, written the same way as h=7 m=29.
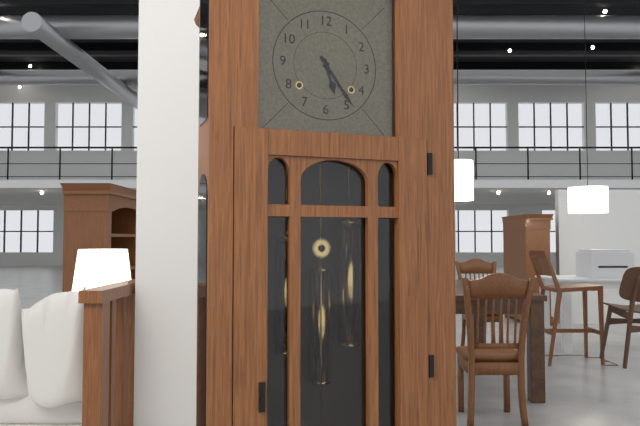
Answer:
h=5 m=24
